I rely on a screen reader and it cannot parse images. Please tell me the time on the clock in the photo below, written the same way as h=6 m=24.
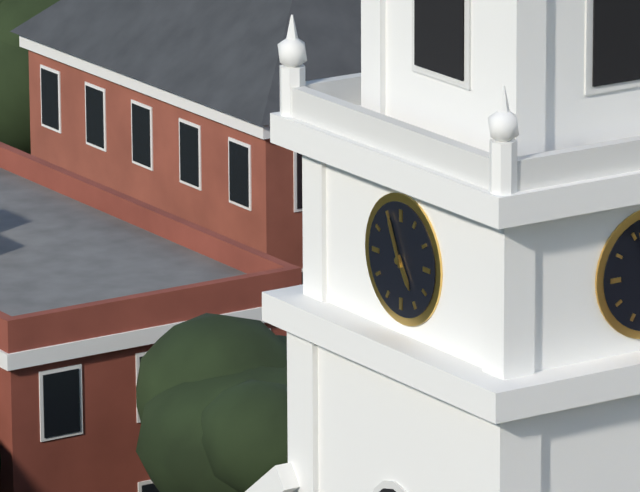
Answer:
h=4 m=56
